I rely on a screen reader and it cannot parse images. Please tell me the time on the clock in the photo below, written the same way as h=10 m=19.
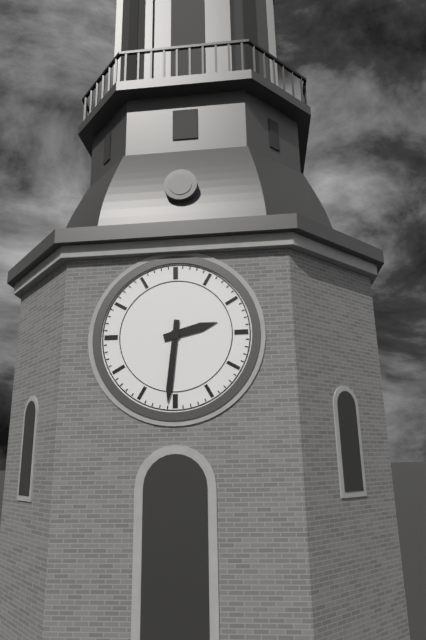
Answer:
h=2 m=31
